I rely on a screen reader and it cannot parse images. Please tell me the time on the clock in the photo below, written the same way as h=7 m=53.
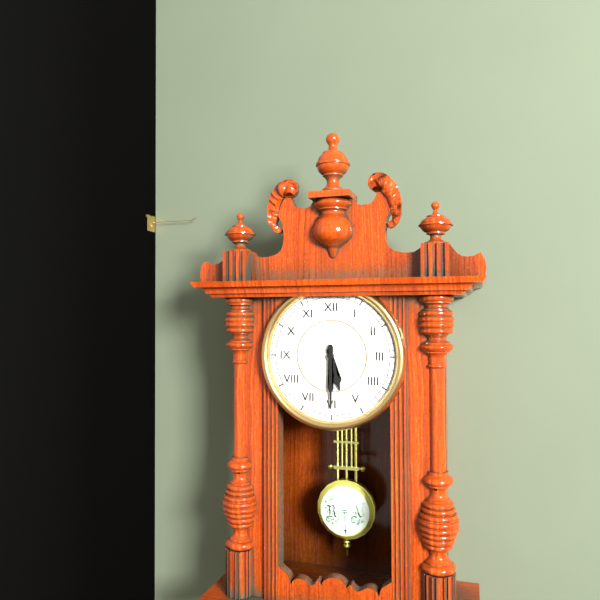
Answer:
h=5 m=30
